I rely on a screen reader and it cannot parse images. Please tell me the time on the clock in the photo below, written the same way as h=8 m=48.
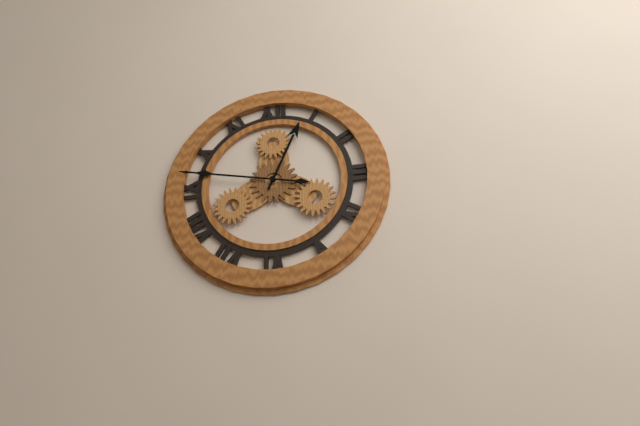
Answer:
h=12 m=47
